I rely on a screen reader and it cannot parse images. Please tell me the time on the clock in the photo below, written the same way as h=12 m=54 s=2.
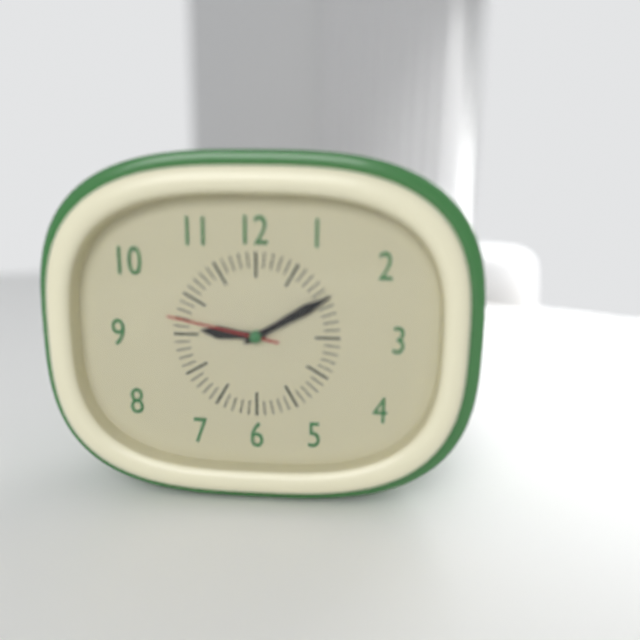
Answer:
h=9 m=10 s=47
